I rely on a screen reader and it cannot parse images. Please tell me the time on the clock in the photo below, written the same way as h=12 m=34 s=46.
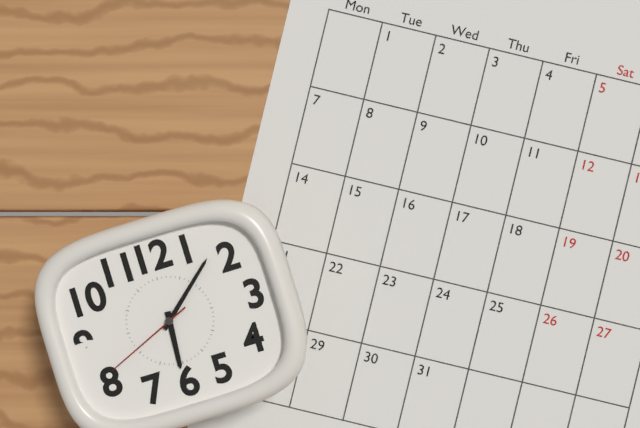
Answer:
h=6 m=8 s=41
